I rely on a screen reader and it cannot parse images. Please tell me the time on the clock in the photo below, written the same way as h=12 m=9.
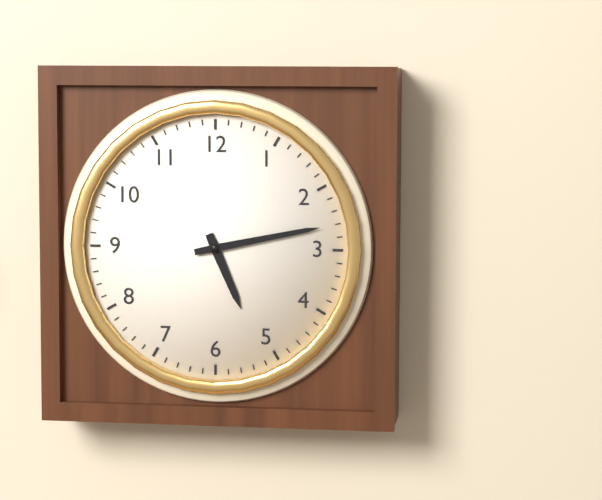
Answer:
h=5 m=13
